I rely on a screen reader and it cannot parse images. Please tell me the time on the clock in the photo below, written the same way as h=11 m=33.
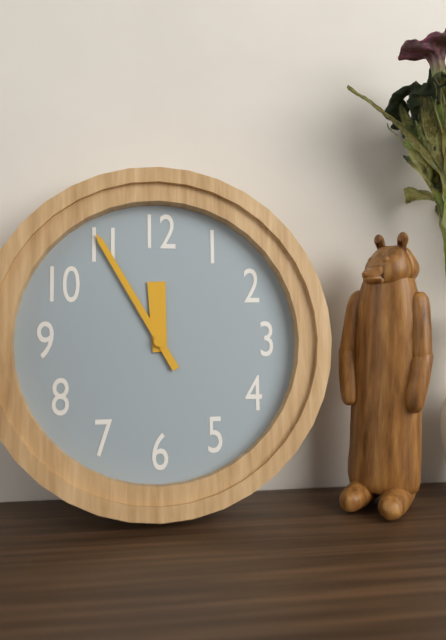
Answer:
h=11 m=55
